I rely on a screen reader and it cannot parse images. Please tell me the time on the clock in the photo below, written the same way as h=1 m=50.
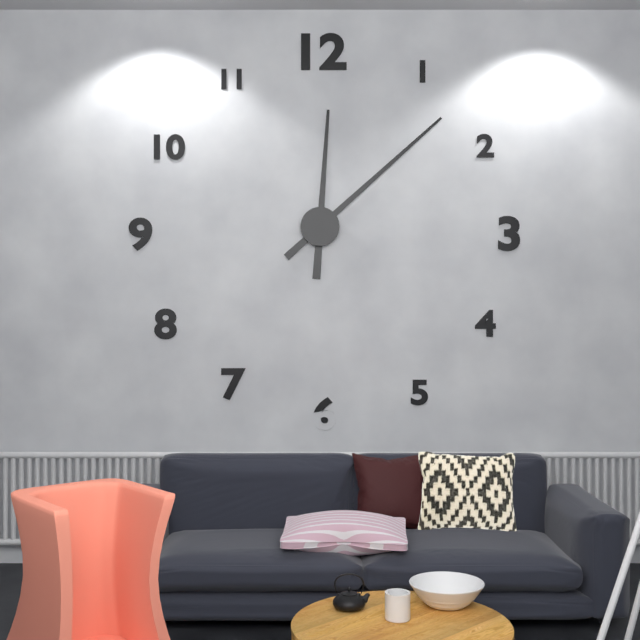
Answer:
h=12 m=8
